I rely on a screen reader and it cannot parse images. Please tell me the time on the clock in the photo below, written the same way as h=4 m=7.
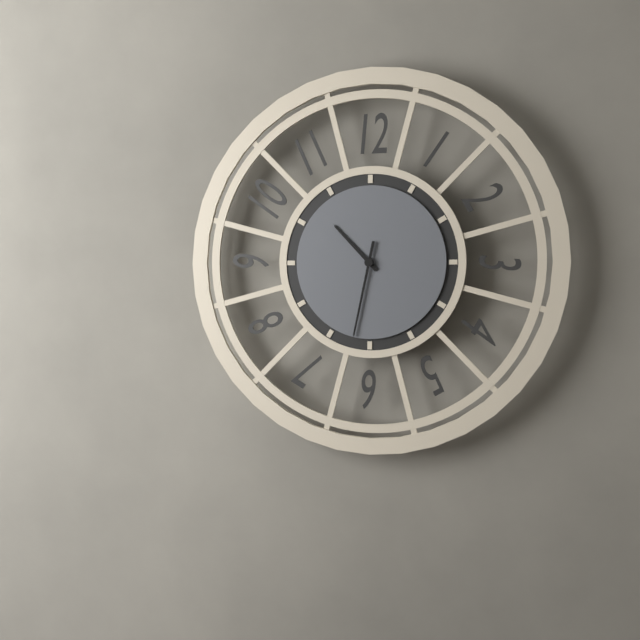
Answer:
h=10 m=32
